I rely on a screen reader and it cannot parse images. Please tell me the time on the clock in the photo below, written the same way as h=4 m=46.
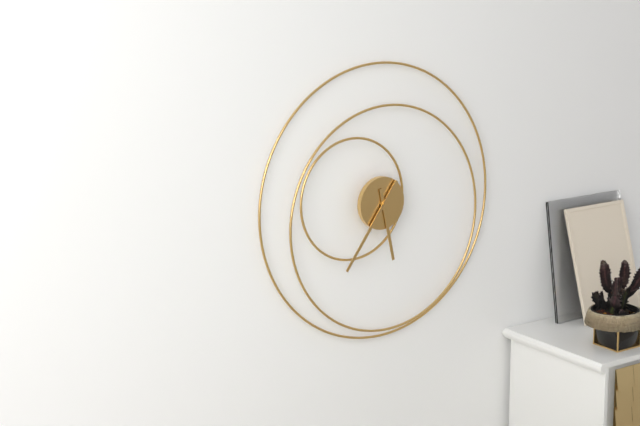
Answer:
h=5 m=36
